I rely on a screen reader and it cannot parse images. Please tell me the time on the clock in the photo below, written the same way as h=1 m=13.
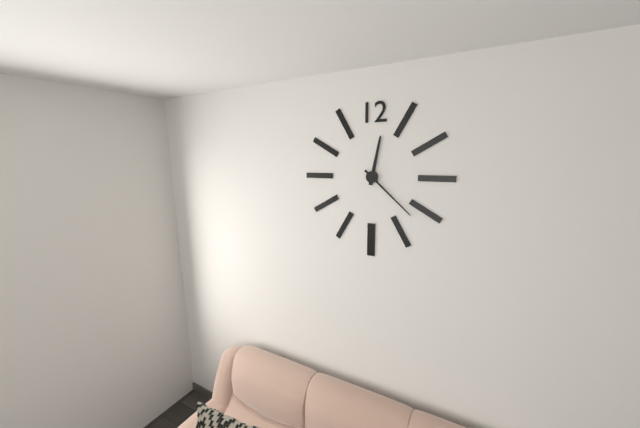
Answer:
h=12 m=22
